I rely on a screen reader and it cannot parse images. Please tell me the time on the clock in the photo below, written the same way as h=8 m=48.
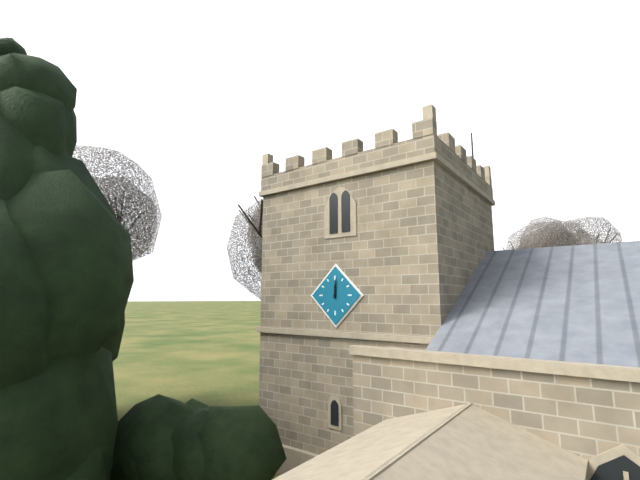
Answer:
h=12 m=1
